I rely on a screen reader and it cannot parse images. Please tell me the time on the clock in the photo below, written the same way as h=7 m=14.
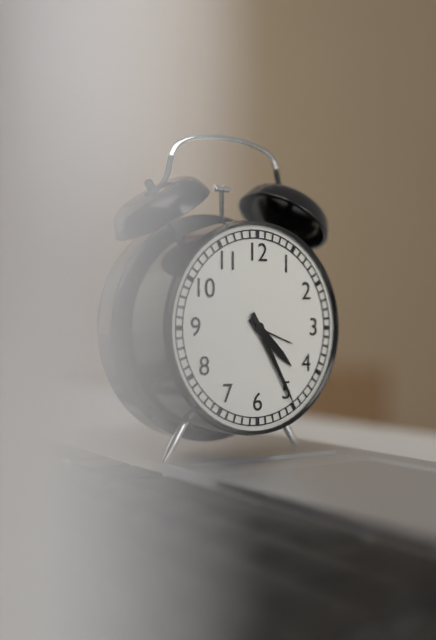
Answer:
h=4 m=25
